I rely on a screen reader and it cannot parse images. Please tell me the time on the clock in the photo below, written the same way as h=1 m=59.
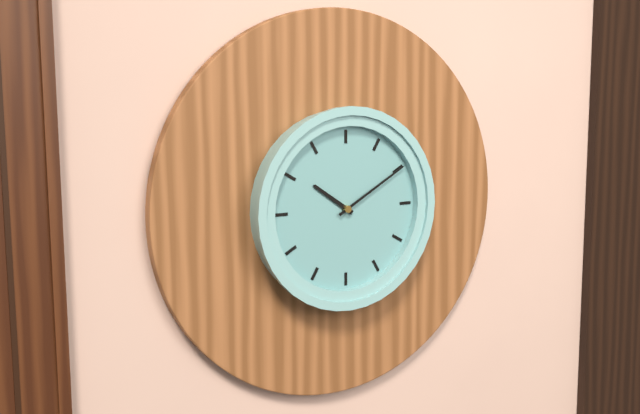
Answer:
h=10 m=10
